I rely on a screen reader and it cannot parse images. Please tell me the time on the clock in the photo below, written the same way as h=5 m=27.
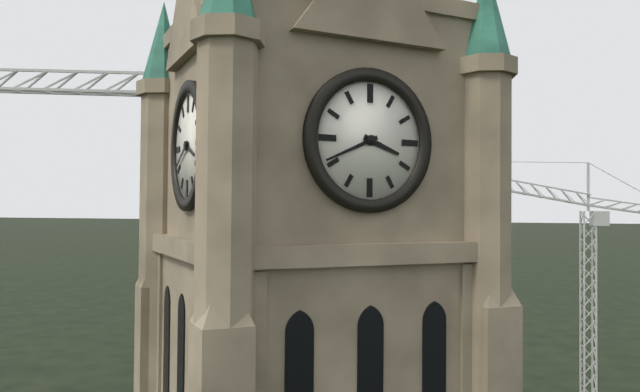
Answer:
h=3 m=41
